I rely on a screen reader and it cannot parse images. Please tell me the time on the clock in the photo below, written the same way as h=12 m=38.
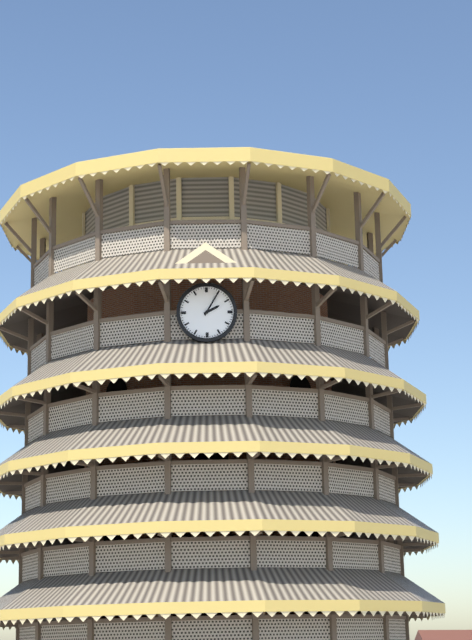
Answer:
h=2 m=5
